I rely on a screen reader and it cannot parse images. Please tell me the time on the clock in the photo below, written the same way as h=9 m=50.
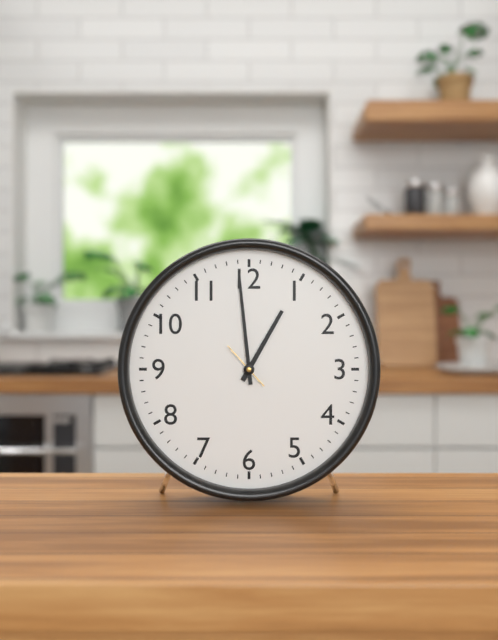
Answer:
h=12 m=59
